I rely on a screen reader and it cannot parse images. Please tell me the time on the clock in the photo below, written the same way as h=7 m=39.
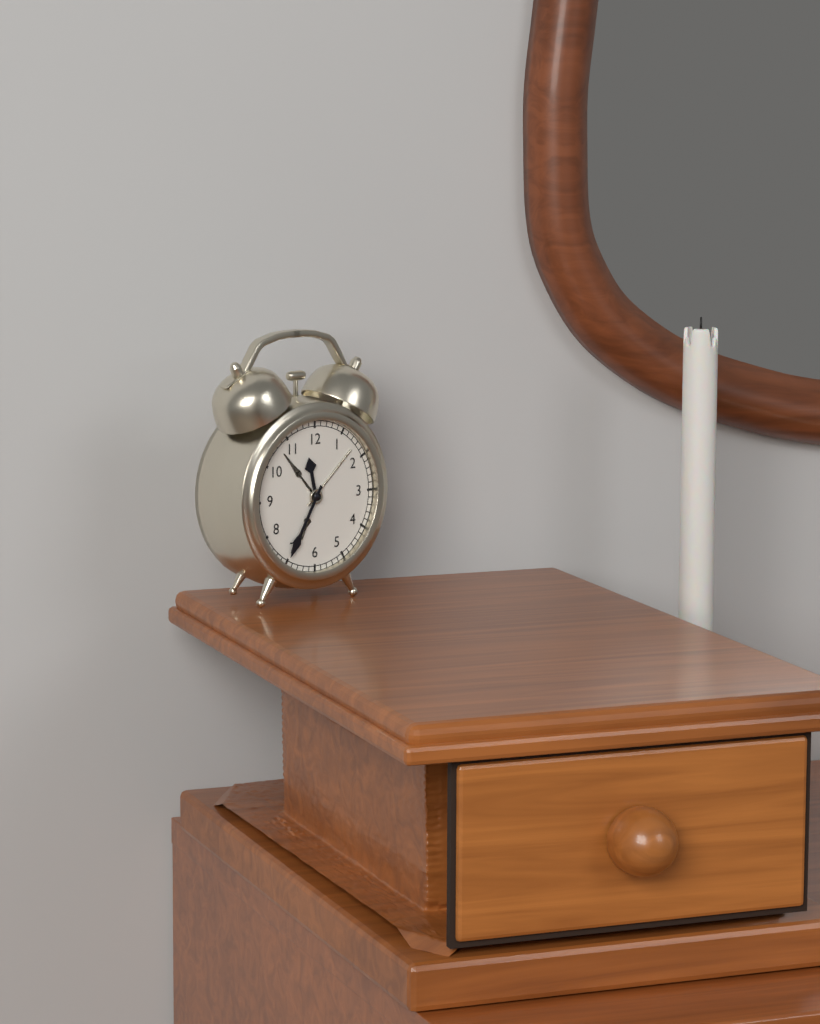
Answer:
h=11 m=35
